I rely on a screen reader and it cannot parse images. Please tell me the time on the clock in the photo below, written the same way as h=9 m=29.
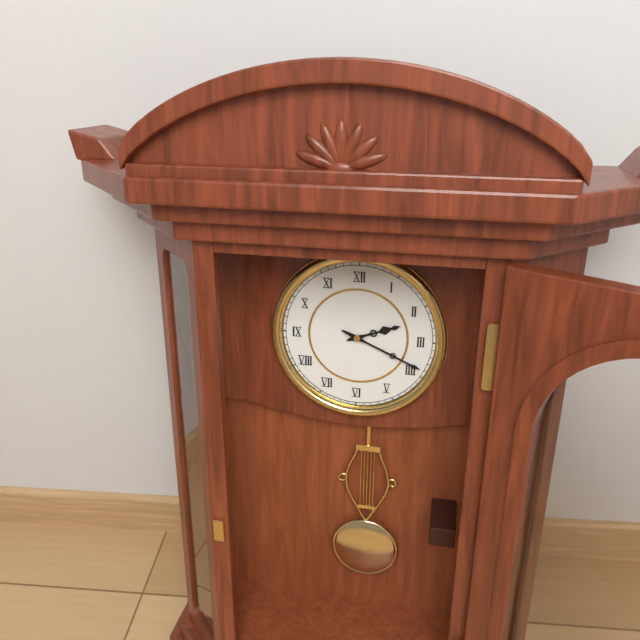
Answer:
h=2 m=19
